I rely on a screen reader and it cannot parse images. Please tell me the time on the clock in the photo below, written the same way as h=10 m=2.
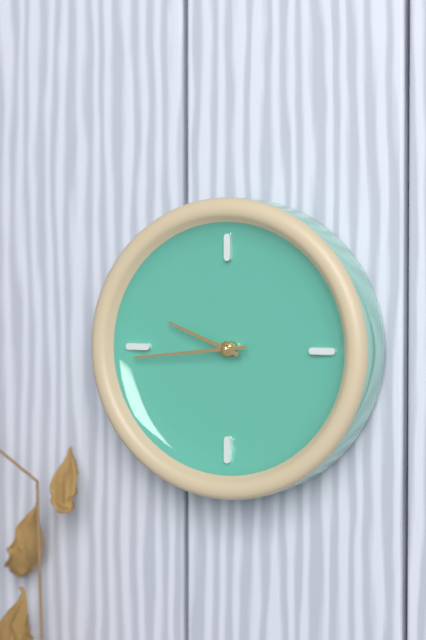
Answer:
h=9 m=44
